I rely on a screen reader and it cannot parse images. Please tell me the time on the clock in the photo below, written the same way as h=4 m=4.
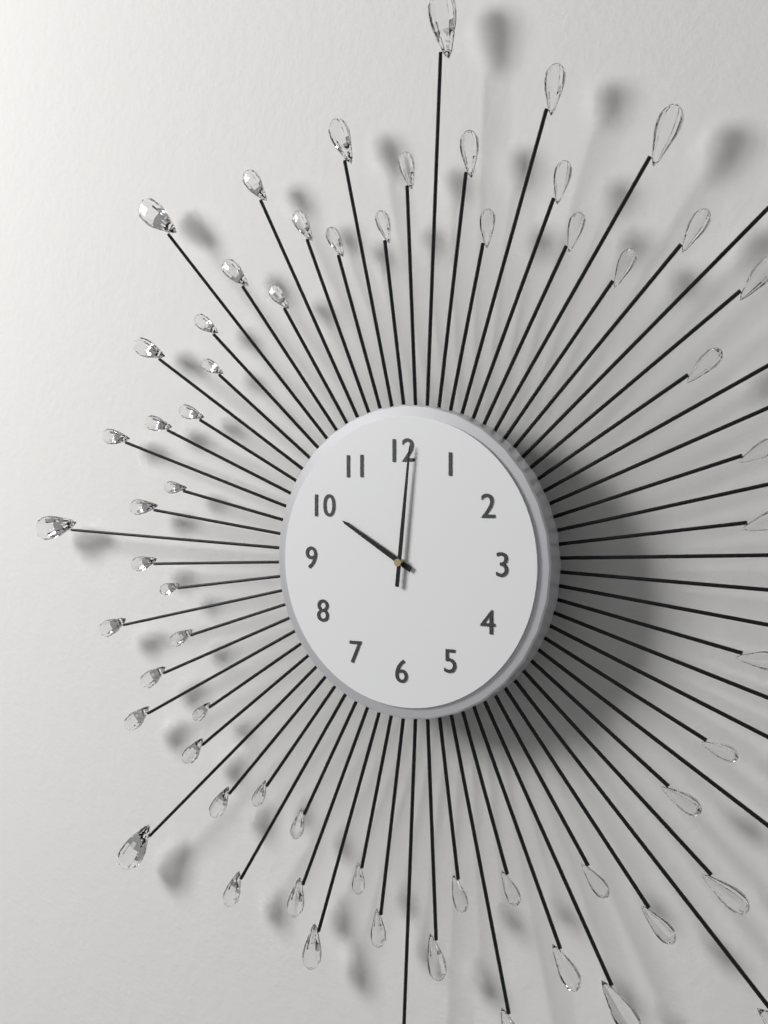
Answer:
h=10 m=1
